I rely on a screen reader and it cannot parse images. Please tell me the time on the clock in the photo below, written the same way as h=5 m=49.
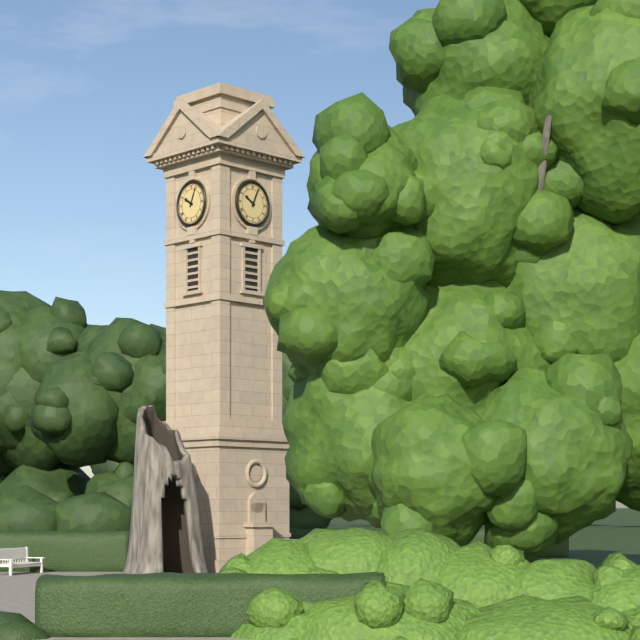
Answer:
h=10 m=4
